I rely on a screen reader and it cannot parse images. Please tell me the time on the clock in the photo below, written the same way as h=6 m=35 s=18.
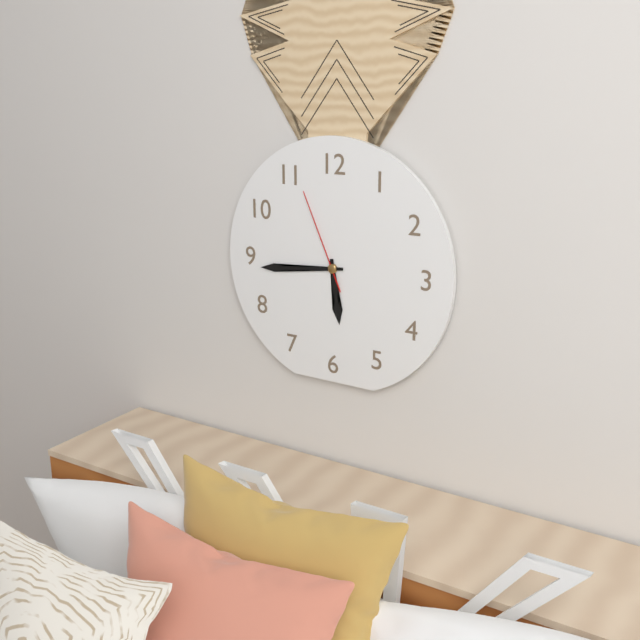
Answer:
h=5 m=44 s=56
